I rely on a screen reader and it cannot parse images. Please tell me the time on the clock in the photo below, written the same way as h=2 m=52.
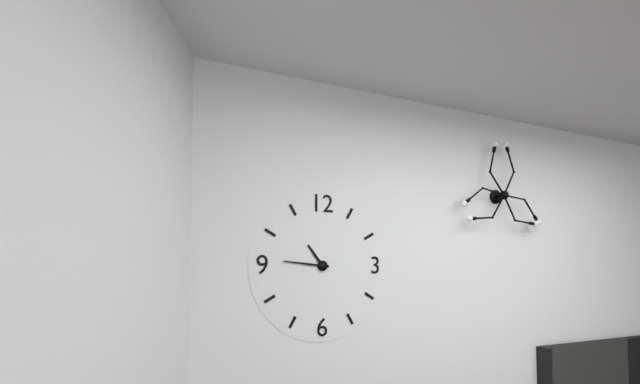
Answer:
h=10 m=46
